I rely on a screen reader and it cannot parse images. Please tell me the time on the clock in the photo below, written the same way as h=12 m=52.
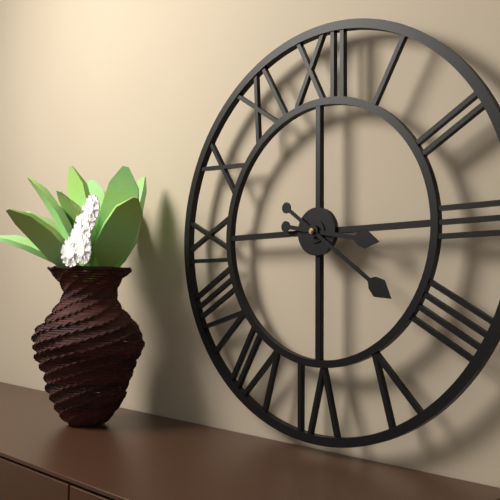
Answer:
h=3 m=21
